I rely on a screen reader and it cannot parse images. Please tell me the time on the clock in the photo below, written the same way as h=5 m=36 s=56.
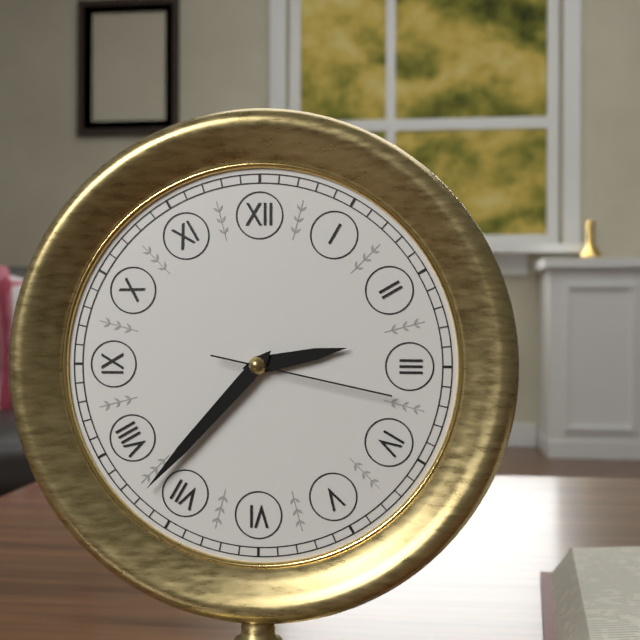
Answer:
h=2 m=37 s=17
